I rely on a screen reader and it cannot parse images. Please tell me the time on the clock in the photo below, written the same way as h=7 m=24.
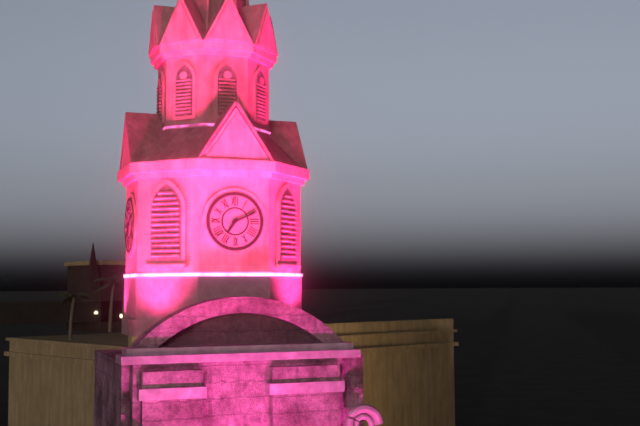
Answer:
h=7 m=11
